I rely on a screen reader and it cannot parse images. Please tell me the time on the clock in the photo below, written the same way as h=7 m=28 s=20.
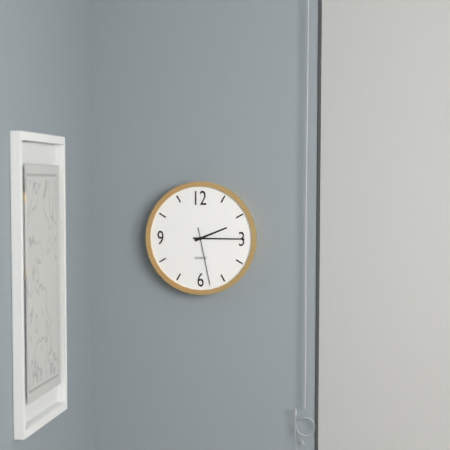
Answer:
h=2 m=15 s=28
